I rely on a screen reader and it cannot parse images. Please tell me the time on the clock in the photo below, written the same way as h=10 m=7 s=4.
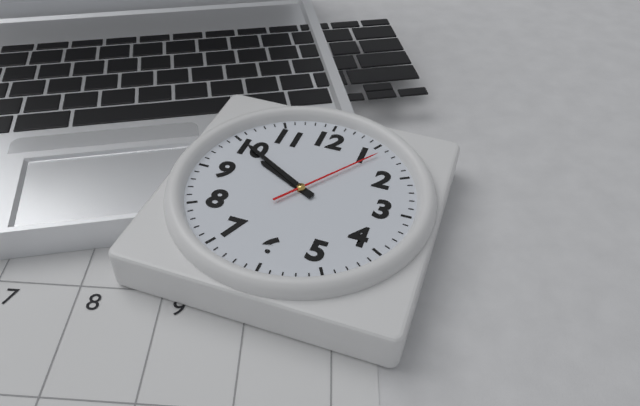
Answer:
h=9 m=50 s=6
